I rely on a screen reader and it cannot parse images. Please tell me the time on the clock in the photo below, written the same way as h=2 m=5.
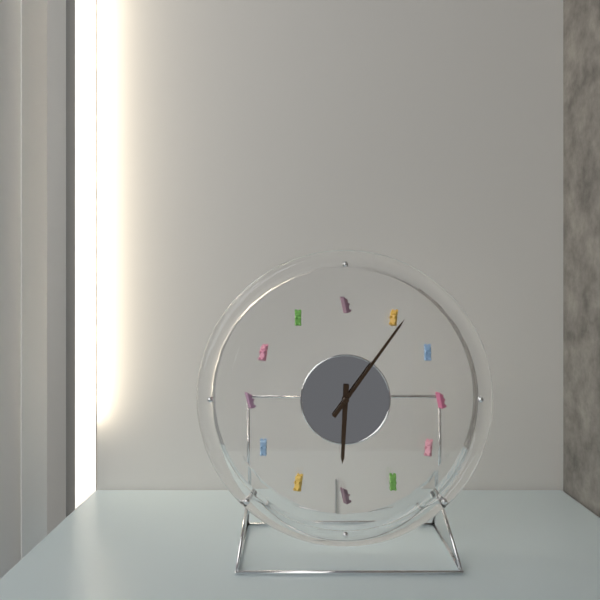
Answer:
h=6 m=6
